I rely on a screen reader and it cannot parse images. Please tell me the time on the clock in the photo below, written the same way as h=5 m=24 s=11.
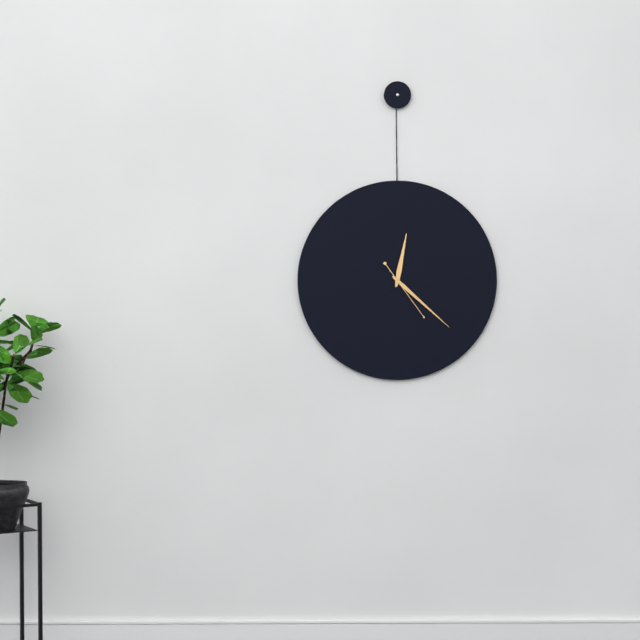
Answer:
h=12 m=22 s=24
